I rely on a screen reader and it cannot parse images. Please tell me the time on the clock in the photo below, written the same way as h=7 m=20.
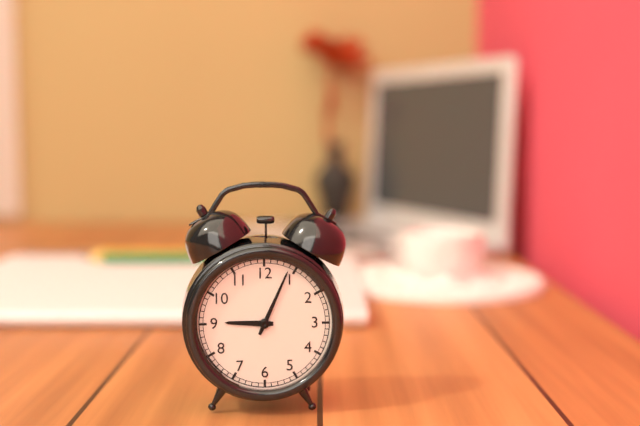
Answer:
h=9 m=4
